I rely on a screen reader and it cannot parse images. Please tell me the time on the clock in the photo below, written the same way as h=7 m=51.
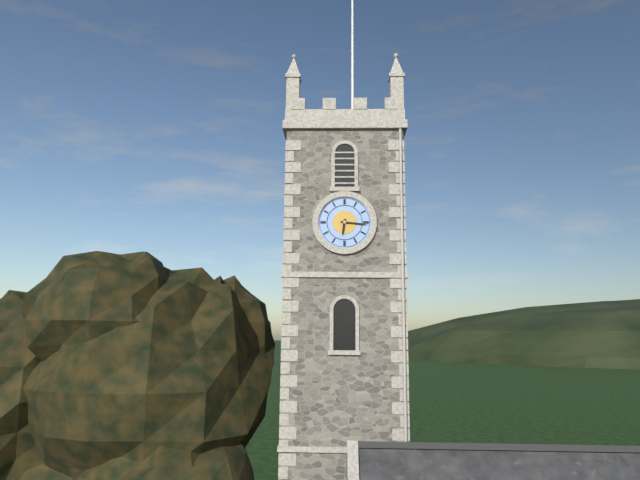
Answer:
h=6 m=16
